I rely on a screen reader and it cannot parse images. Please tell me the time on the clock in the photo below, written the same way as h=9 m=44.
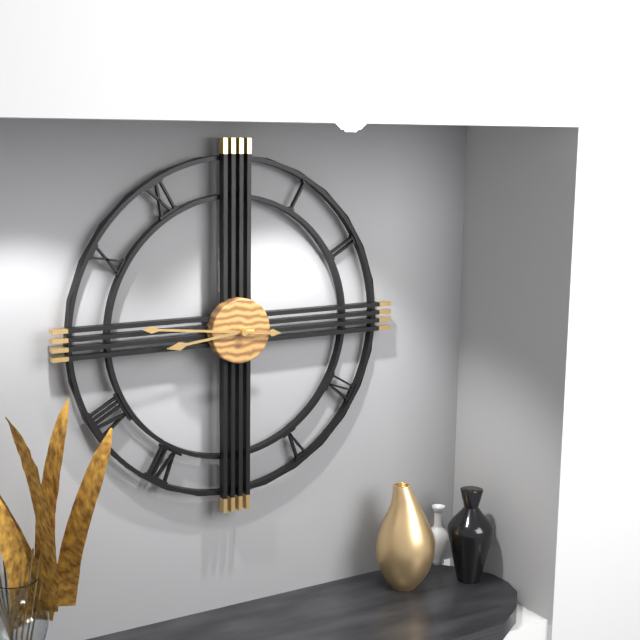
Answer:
h=8 m=46
